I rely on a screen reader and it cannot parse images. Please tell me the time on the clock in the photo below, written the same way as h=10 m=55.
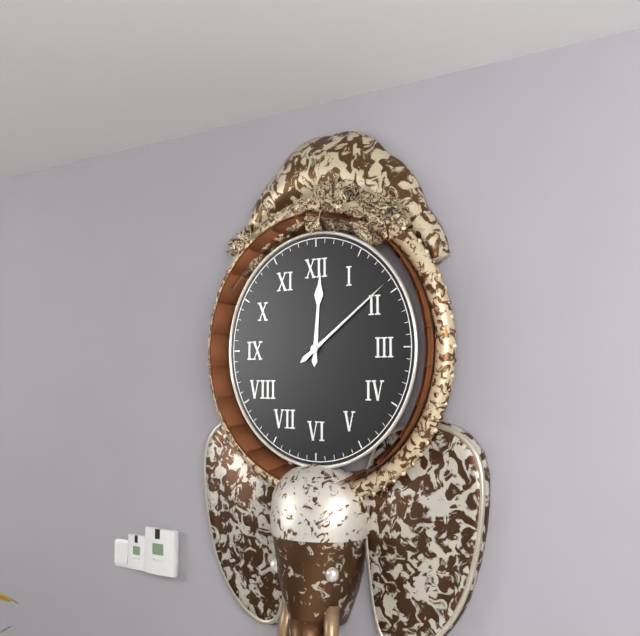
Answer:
h=12 m=9
